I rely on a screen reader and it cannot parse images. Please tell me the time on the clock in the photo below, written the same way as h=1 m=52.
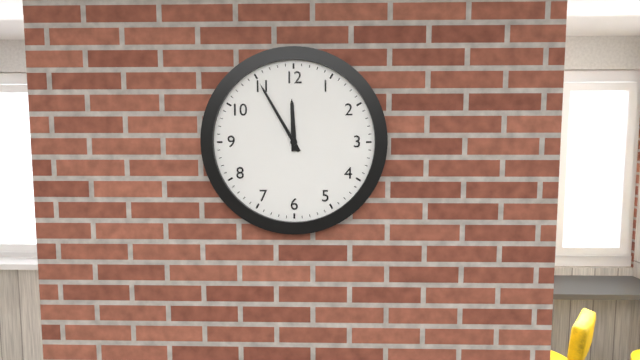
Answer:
h=11 m=55
